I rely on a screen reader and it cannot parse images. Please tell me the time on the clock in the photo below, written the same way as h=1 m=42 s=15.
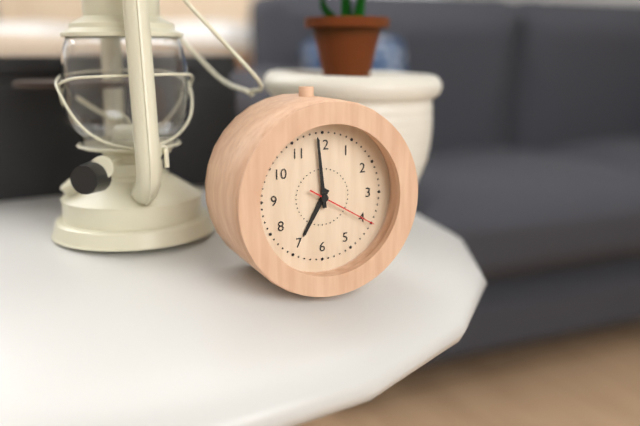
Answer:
h=6 m=59 s=20
